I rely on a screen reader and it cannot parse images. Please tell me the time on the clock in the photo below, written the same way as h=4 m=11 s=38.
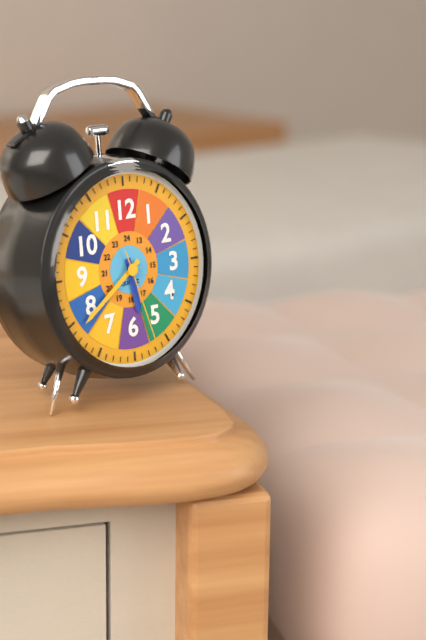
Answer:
h=5 m=39 s=27
